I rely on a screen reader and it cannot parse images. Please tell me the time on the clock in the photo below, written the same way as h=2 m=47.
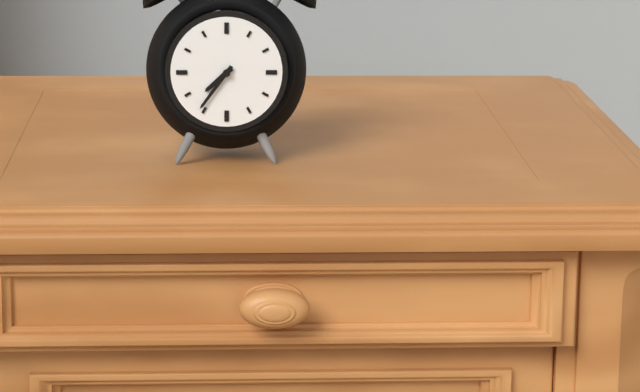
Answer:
h=7 m=36
